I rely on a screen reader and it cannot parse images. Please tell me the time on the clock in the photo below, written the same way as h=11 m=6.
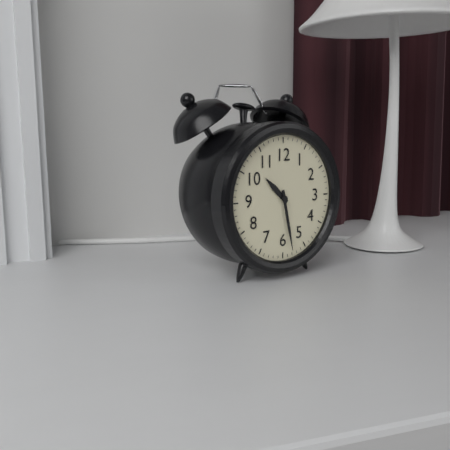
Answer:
h=10 m=28
